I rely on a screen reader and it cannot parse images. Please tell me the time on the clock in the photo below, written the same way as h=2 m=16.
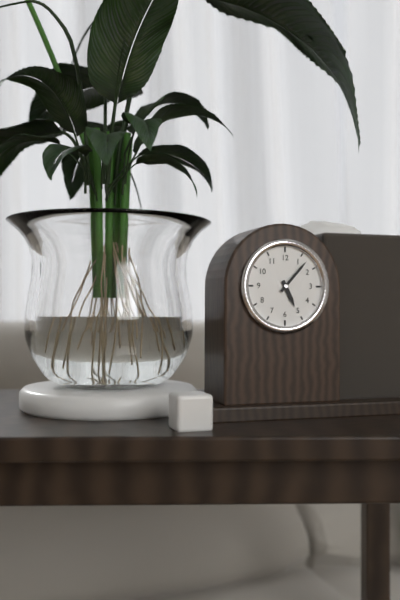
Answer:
h=5 m=7
